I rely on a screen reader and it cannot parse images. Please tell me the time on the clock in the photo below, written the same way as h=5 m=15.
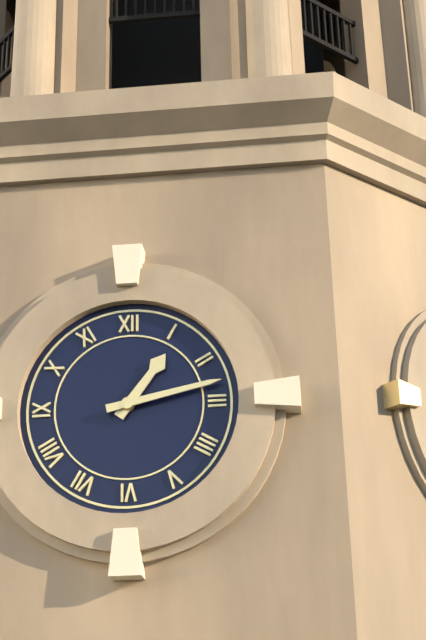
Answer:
h=1 m=13
